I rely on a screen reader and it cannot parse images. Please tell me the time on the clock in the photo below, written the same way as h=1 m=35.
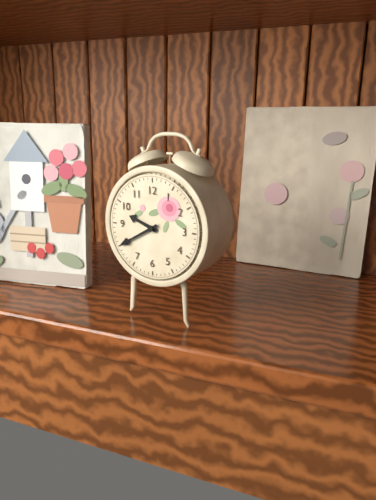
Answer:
h=9 m=40
